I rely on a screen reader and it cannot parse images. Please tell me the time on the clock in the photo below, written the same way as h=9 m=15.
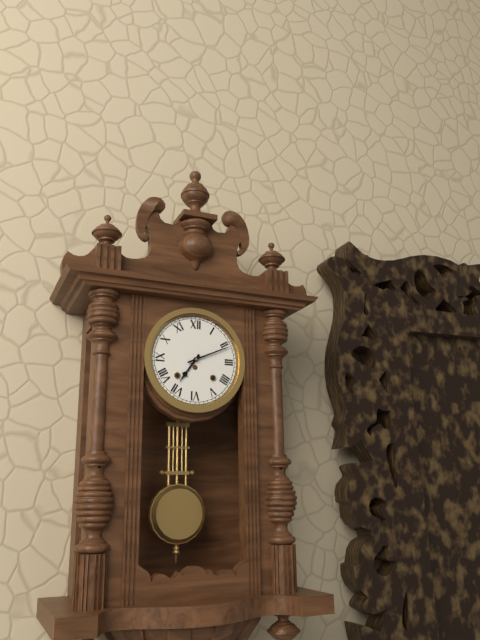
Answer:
h=7 m=11
